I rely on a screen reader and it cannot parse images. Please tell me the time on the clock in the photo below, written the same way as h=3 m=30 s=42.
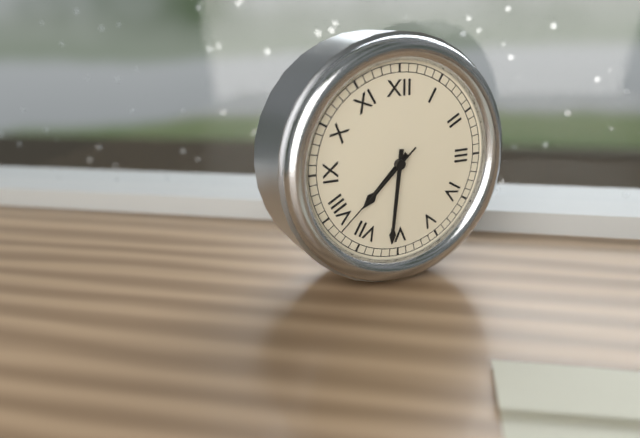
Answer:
h=7 m=31 s=38
